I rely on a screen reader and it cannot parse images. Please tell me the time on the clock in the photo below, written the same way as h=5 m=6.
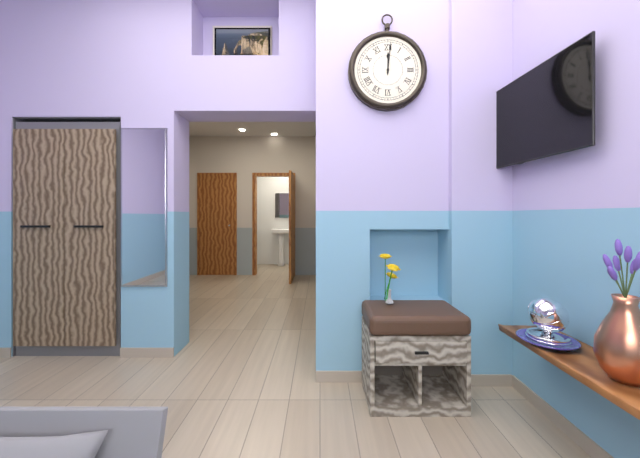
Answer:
h=12 m=1
